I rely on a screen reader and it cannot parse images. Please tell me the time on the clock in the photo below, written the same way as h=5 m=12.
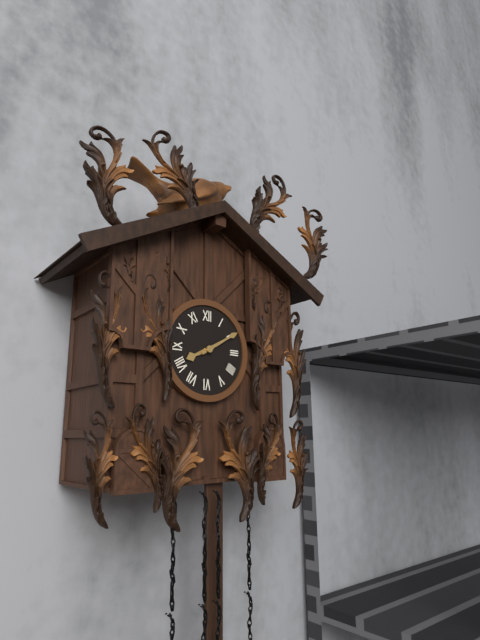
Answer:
h=8 m=10
